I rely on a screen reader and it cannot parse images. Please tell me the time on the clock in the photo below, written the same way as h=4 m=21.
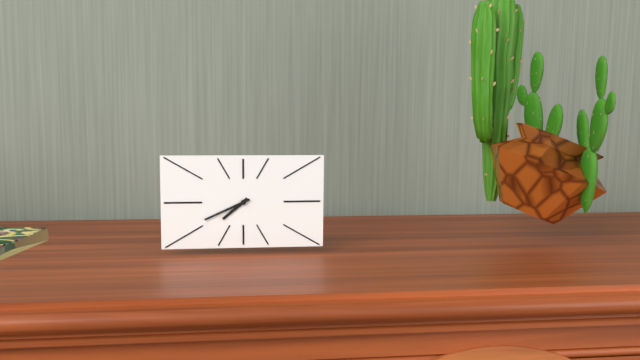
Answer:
h=7 m=41
